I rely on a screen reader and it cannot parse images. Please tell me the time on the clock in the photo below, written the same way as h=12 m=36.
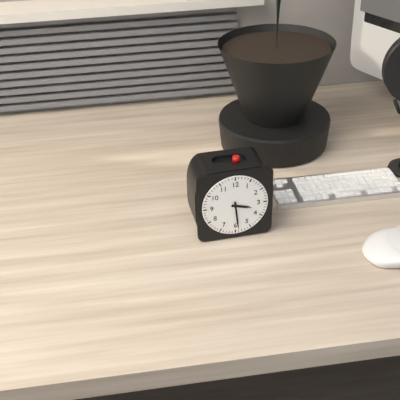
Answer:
h=3 m=29
